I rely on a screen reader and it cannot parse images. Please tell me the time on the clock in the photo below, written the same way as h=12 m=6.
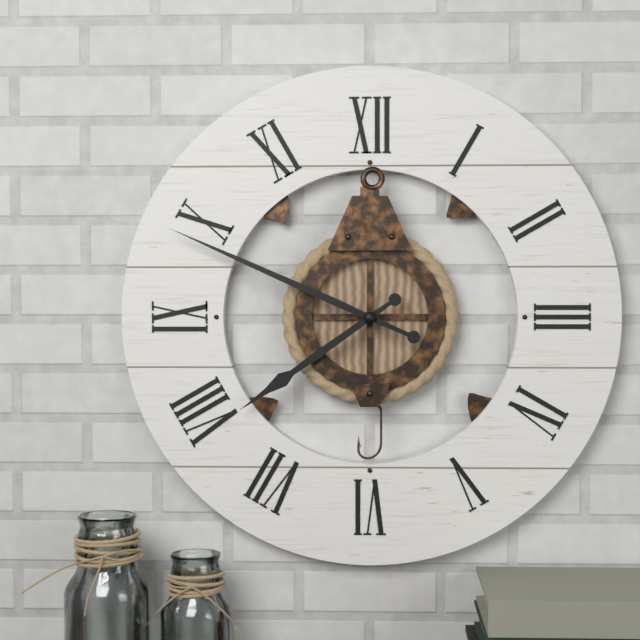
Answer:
h=7 m=49
